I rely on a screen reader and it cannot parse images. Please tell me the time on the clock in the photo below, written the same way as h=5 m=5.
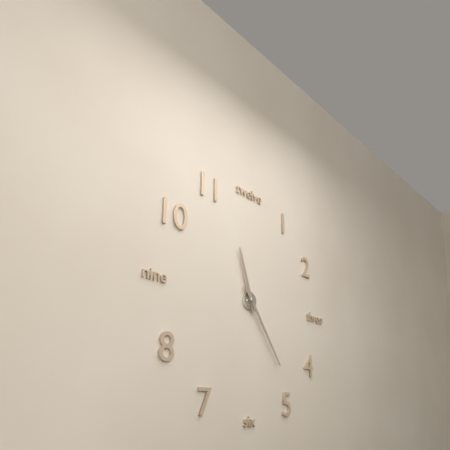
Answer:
h=11 m=24
